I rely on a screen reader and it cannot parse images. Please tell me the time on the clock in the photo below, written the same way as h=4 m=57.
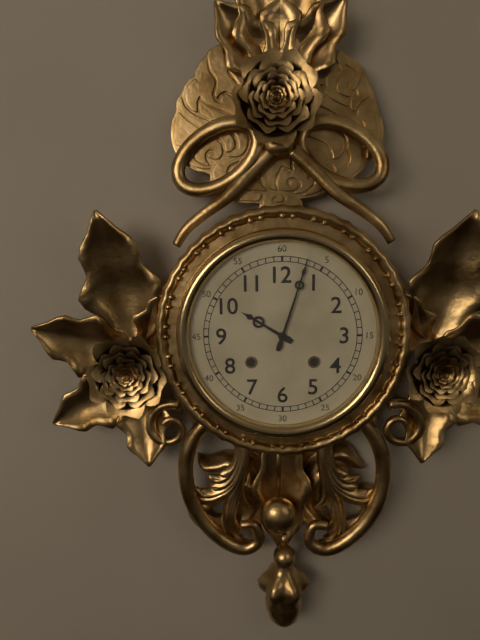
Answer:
h=10 m=3
